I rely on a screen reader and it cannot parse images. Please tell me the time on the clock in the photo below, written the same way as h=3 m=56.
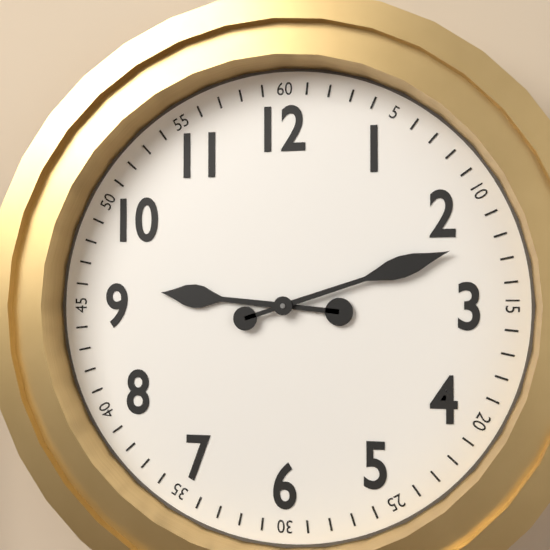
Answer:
h=9 m=12
